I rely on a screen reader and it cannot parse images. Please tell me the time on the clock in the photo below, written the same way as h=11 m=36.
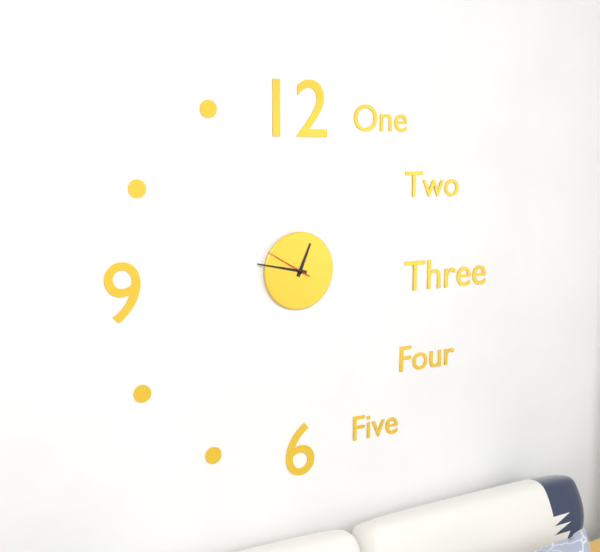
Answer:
h=12 m=47
